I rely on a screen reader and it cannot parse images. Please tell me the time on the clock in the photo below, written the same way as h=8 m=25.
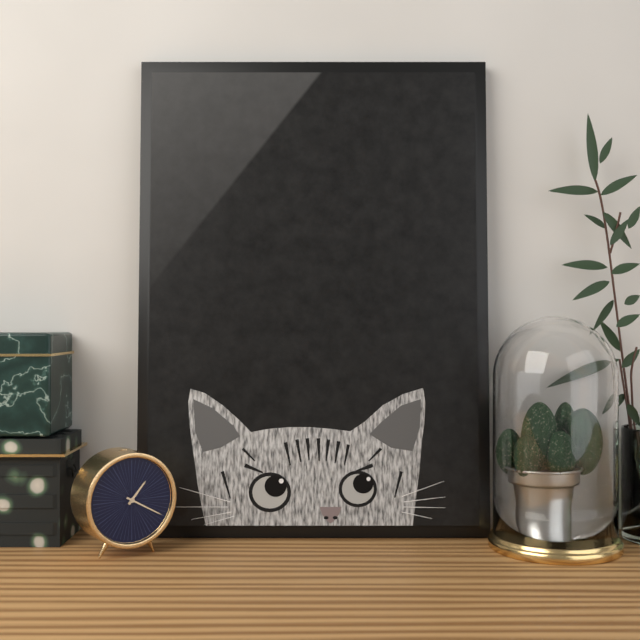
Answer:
h=1 m=20
